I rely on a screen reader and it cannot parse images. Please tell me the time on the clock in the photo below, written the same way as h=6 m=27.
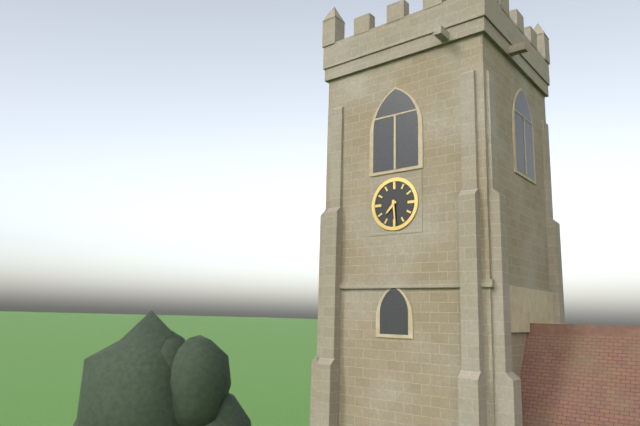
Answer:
h=7 m=29
